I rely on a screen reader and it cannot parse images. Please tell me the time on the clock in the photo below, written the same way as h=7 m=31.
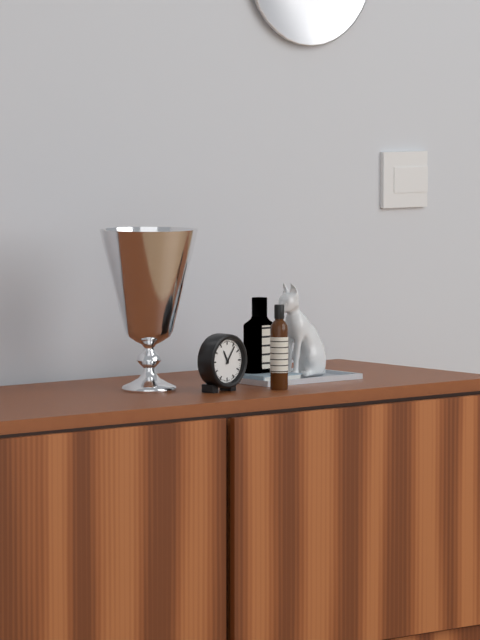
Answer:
h=11 m=6
